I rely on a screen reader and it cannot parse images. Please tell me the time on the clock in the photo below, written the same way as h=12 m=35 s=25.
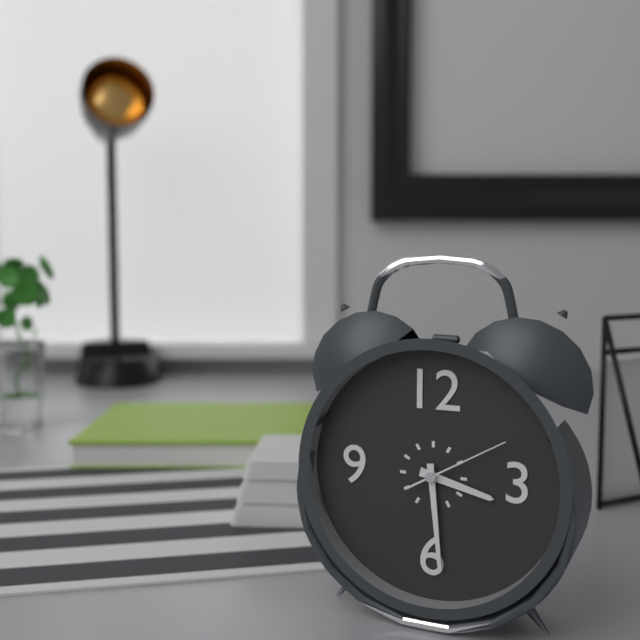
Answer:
h=3 m=29 s=10
